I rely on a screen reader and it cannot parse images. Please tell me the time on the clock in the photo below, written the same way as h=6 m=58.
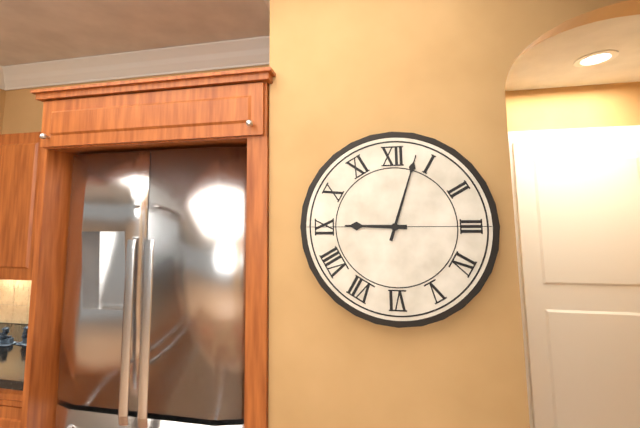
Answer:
h=9 m=3
